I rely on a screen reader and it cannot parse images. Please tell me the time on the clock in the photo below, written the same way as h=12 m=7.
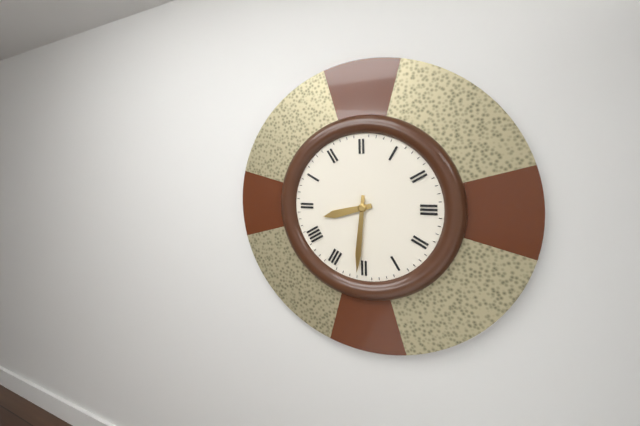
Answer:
h=8 m=31
